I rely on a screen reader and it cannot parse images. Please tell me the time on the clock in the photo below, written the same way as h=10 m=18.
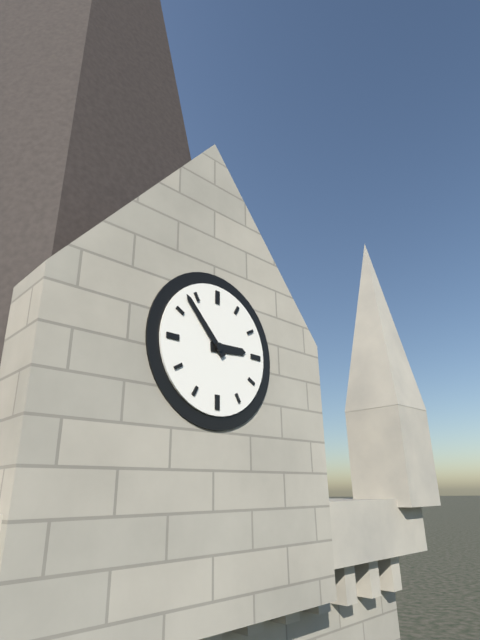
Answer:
h=2 m=53
